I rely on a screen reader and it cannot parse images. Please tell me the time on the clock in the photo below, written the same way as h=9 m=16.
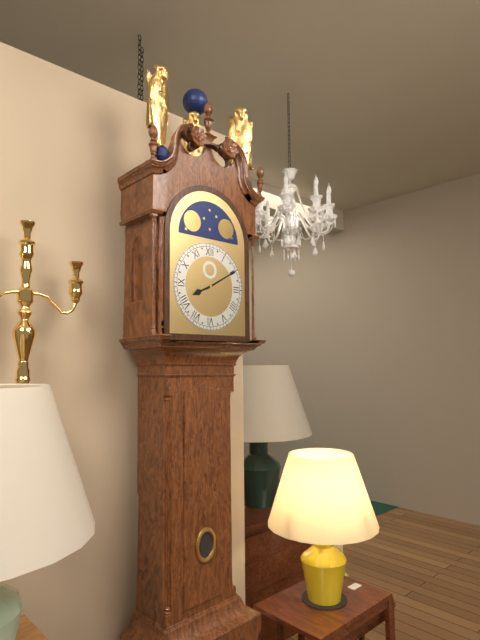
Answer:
h=8 m=10
